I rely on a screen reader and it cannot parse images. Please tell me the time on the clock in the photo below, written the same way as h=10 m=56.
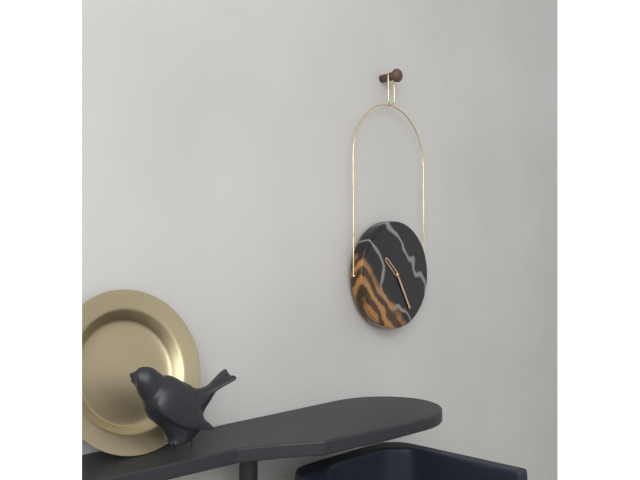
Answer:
h=10 m=25
